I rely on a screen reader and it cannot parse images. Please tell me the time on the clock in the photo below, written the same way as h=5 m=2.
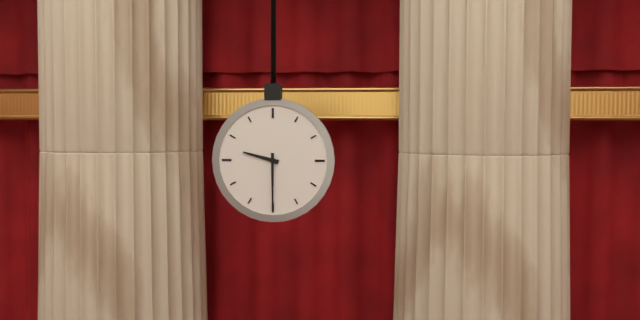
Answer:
h=9 m=30
